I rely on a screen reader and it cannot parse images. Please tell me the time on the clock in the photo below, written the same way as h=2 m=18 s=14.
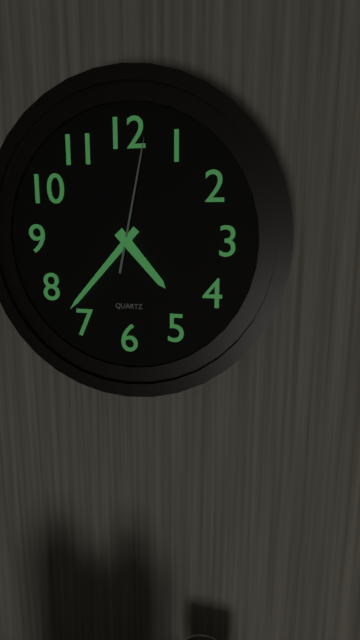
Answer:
h=4 m=37 s=2
